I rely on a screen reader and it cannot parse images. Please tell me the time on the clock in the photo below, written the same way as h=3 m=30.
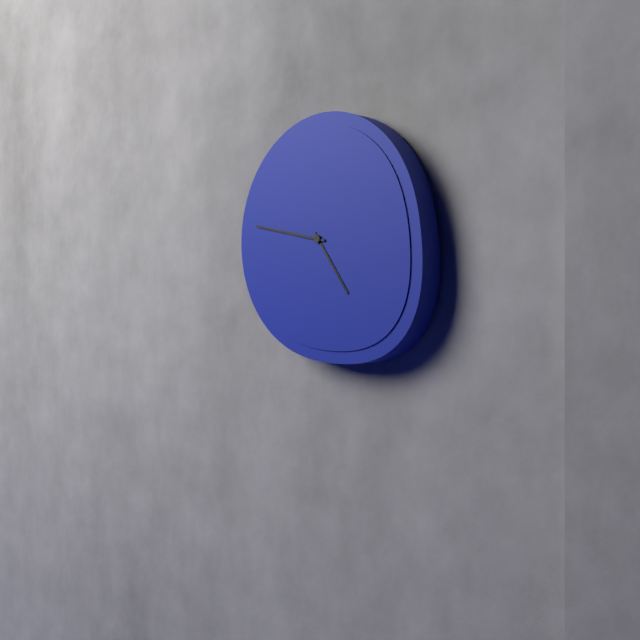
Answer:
h=4 m=47
